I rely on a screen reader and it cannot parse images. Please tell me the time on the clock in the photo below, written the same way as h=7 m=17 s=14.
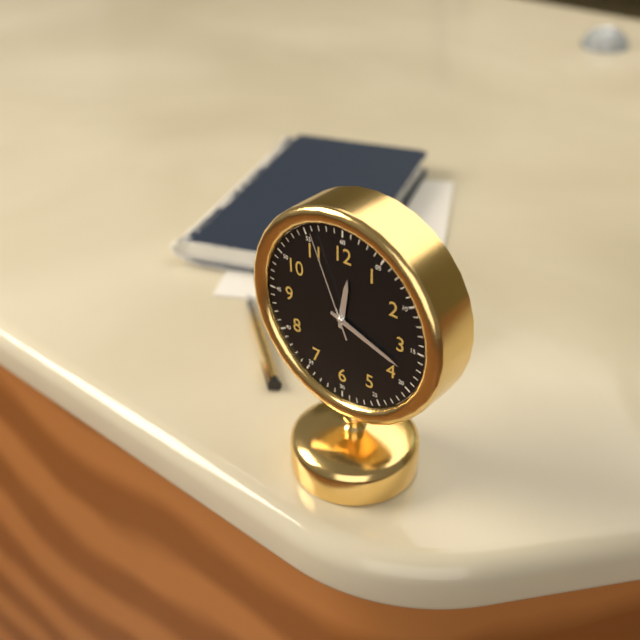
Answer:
h=12 m=18 s=56
